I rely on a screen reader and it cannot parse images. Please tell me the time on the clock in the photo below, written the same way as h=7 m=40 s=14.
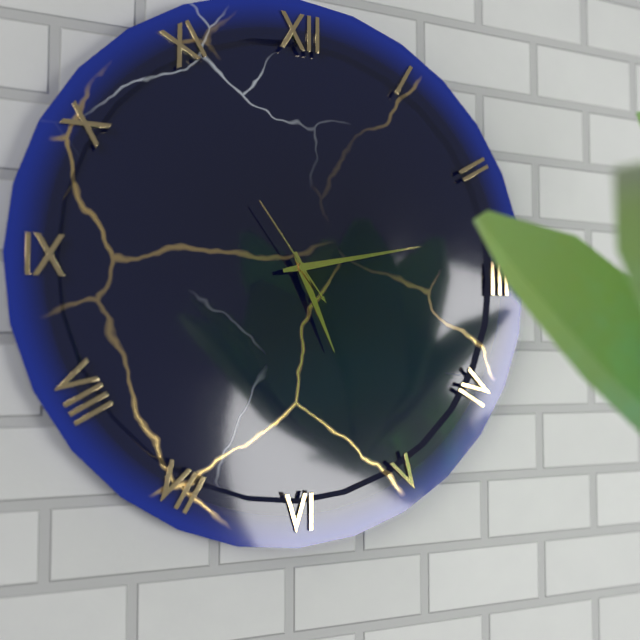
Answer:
h=5 m=13 s=54
